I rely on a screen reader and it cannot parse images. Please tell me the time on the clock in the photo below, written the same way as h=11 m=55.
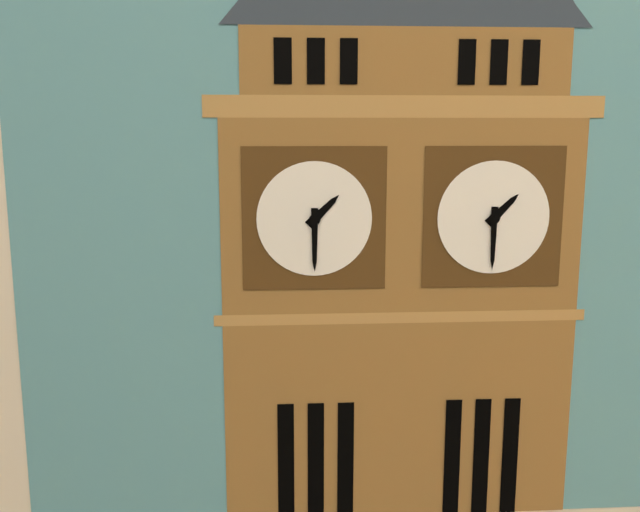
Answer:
h=1 m=30
